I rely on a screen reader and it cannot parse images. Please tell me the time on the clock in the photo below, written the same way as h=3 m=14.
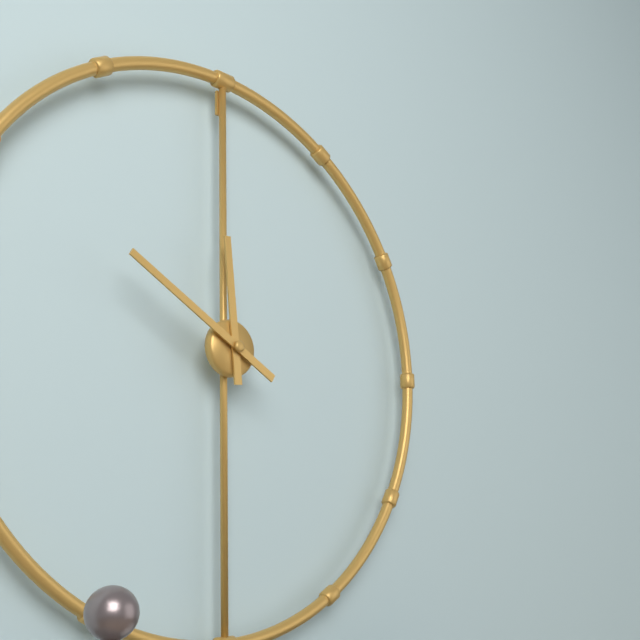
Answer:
h=11 m=50
